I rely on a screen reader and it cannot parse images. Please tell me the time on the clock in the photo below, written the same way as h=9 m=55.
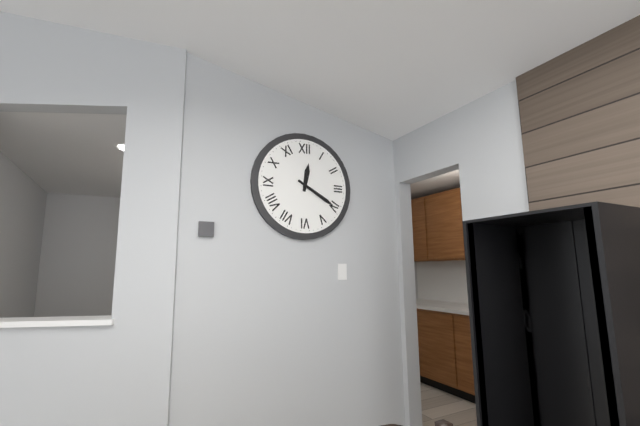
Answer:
h=12 m=20
